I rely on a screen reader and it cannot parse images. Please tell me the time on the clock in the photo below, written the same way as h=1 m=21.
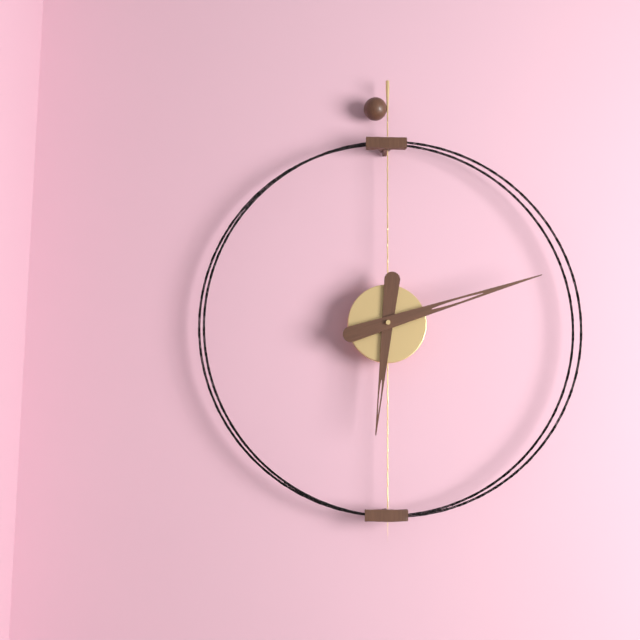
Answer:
h=6 m=12
